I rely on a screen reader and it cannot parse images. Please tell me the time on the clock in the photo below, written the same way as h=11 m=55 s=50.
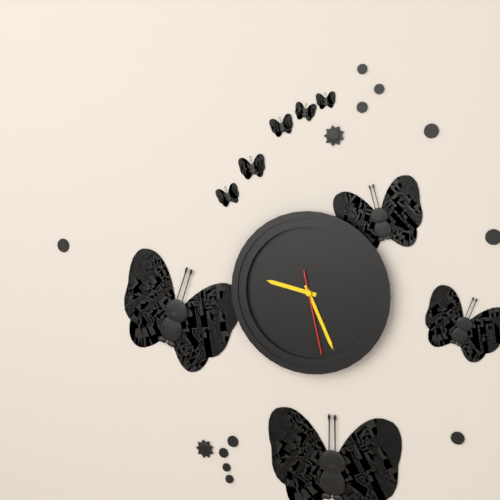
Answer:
h=9 m=26 s=28
